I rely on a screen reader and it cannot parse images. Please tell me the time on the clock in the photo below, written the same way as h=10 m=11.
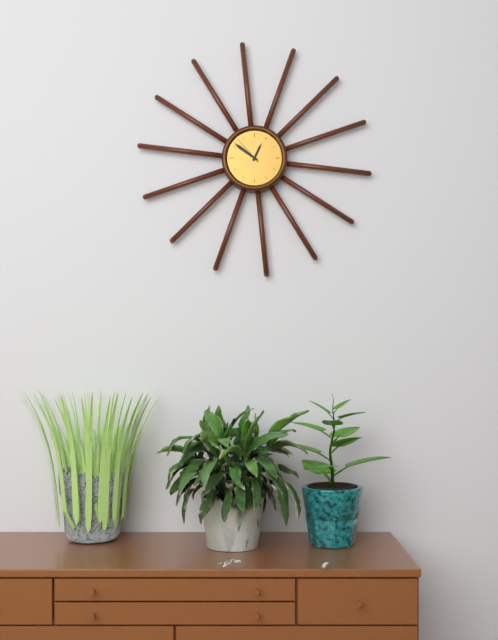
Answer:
h=12 m=51
